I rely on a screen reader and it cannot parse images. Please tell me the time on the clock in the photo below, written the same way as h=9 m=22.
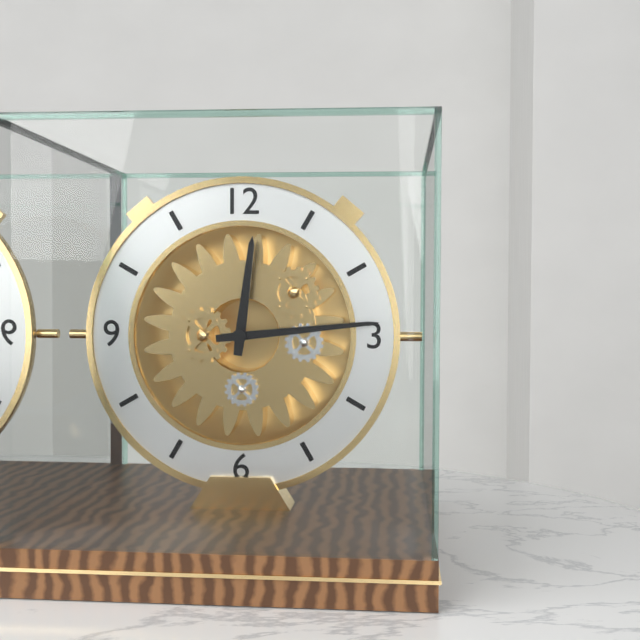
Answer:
h=12 m=14
